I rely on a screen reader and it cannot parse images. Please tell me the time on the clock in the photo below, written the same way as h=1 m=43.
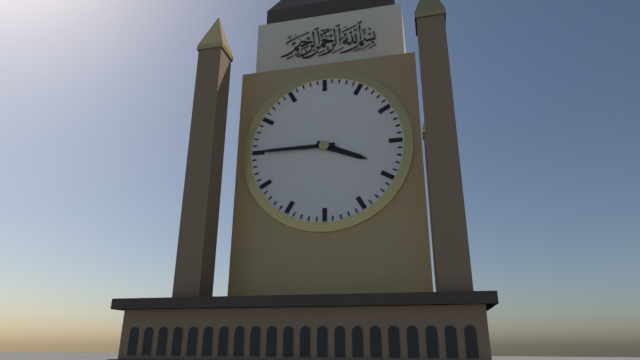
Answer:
h=3 m=45
